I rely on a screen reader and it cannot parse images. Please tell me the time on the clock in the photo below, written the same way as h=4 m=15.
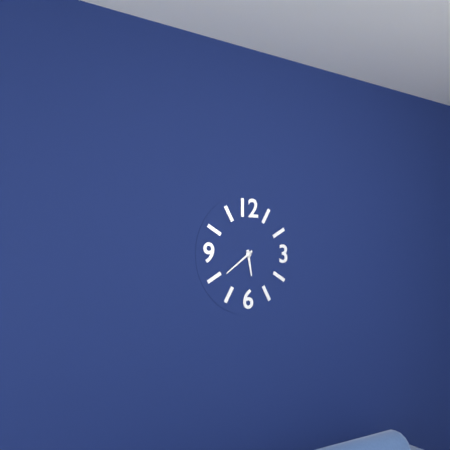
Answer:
h=5 m=39
